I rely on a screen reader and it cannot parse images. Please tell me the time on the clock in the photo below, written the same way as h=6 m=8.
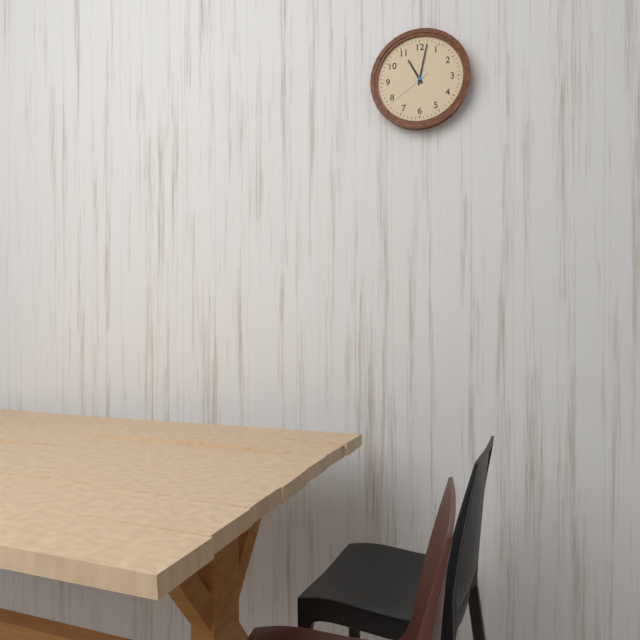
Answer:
h=11 m=2
